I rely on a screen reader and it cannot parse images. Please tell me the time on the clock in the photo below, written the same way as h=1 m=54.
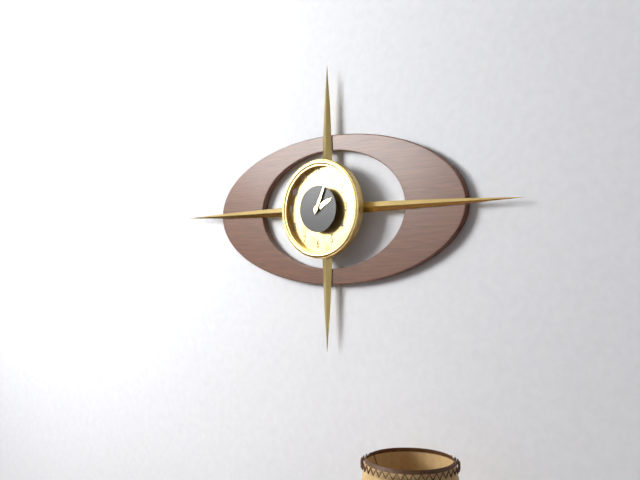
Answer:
h=2 m=4
